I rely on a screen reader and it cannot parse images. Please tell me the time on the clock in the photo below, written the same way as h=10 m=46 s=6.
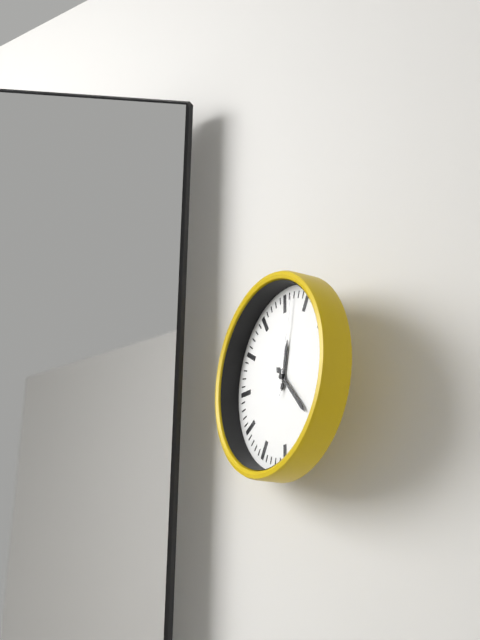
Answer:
h=12 m=23 s=2
